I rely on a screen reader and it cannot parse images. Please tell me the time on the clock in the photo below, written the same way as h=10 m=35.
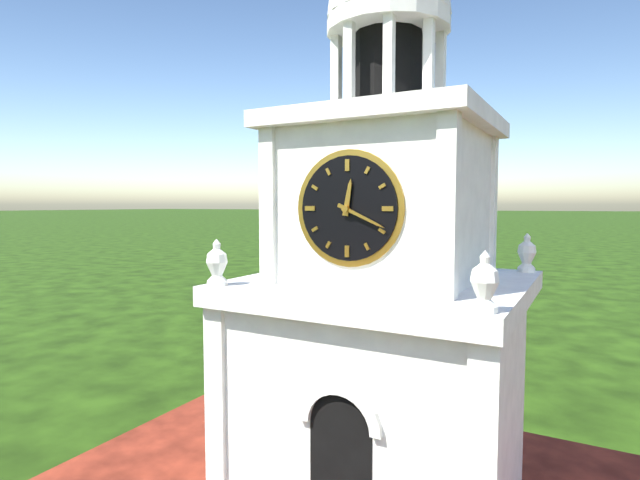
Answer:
h=12 m=19
